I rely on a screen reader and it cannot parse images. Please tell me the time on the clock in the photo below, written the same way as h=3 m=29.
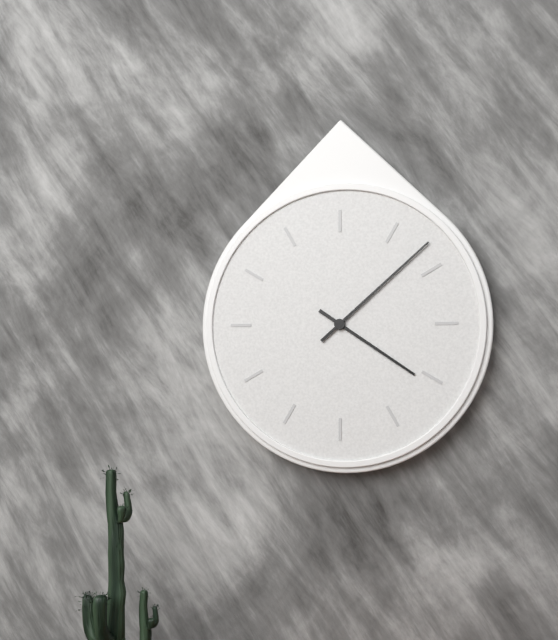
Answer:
h=4 m=8
